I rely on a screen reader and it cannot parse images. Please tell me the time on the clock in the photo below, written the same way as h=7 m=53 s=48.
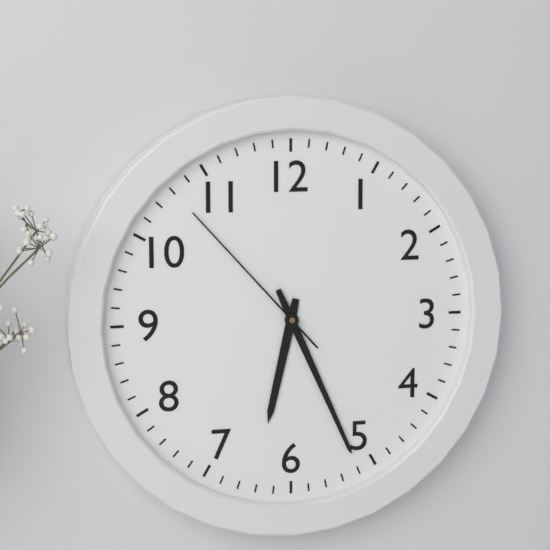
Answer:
h=6 m=26 s=53
